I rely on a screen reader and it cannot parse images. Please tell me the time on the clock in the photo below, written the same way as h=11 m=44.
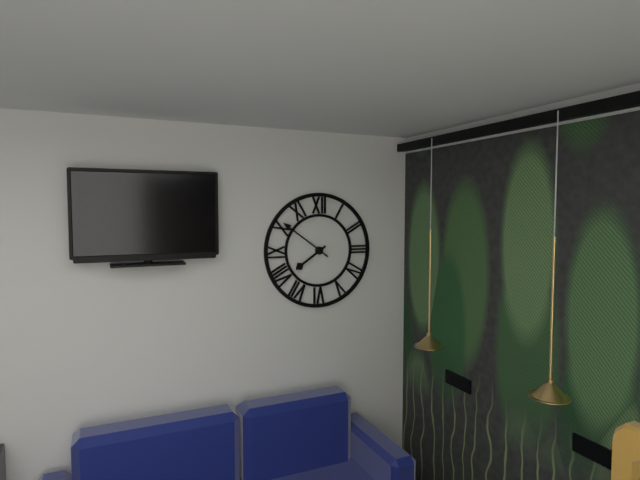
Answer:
h=7 m=51
